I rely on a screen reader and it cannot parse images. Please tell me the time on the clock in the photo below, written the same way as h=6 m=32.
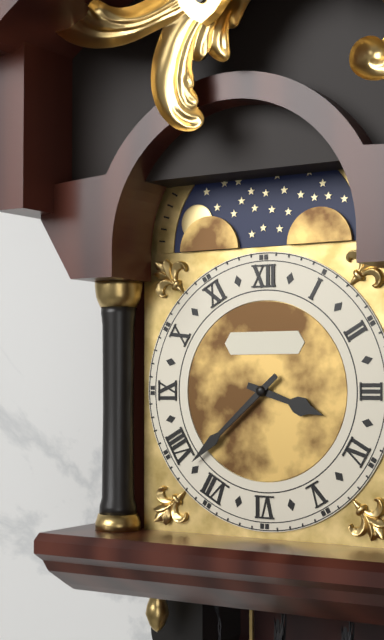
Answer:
h=3 m=38
